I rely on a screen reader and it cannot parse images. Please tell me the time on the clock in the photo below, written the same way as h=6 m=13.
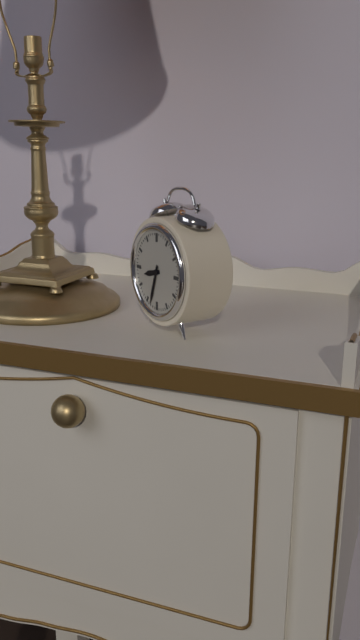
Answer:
h=8 m=33
